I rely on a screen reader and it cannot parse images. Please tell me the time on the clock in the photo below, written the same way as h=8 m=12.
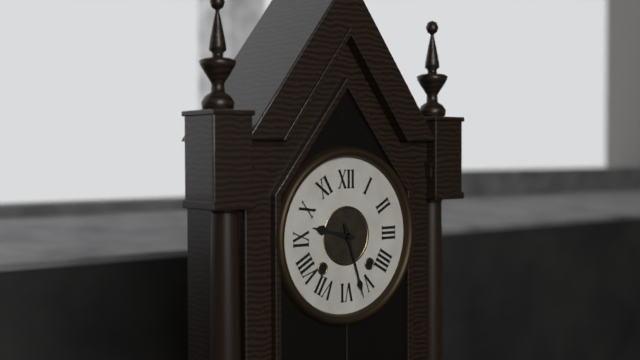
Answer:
h=9 m=27
